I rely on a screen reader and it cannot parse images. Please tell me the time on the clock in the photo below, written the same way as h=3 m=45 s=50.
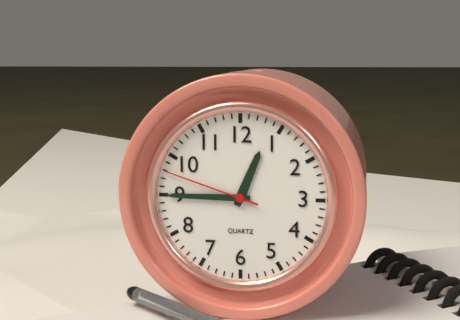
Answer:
h=12 m=45 s=48
